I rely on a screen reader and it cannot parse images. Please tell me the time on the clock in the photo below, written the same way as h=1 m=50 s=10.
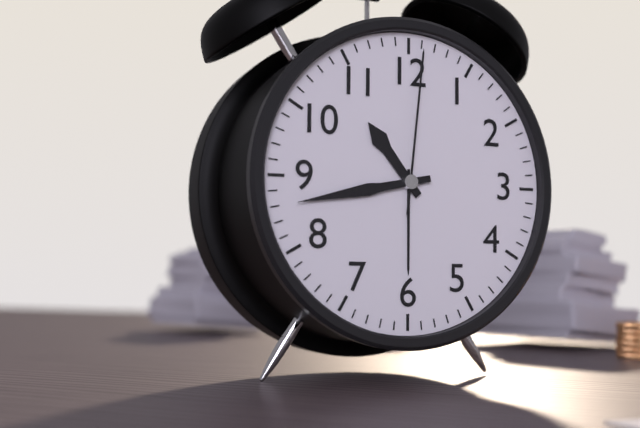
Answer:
h=10 m=43 s=1
